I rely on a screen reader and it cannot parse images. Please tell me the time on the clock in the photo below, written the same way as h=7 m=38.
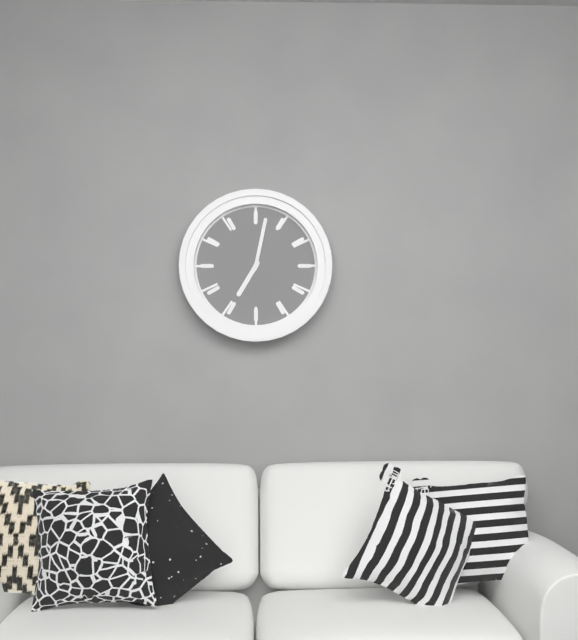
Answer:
h=7 m=2
